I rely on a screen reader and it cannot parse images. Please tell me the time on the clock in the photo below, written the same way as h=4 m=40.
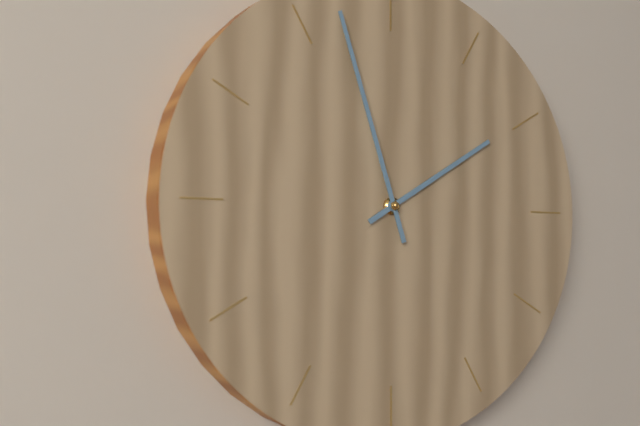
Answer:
h=1 m=57
